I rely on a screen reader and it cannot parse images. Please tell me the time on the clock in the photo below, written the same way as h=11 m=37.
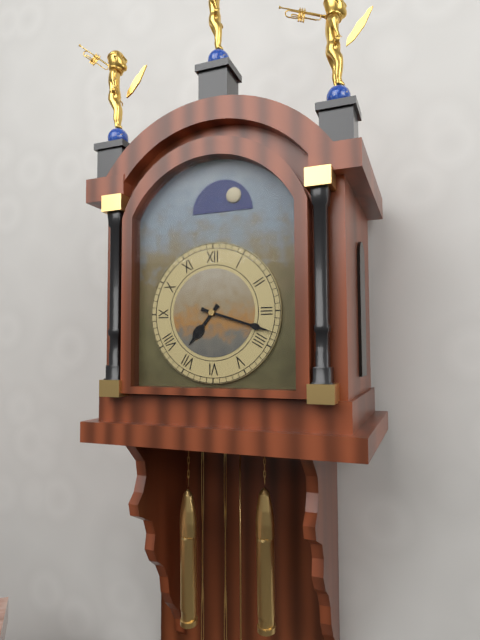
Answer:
h=7 m=18
